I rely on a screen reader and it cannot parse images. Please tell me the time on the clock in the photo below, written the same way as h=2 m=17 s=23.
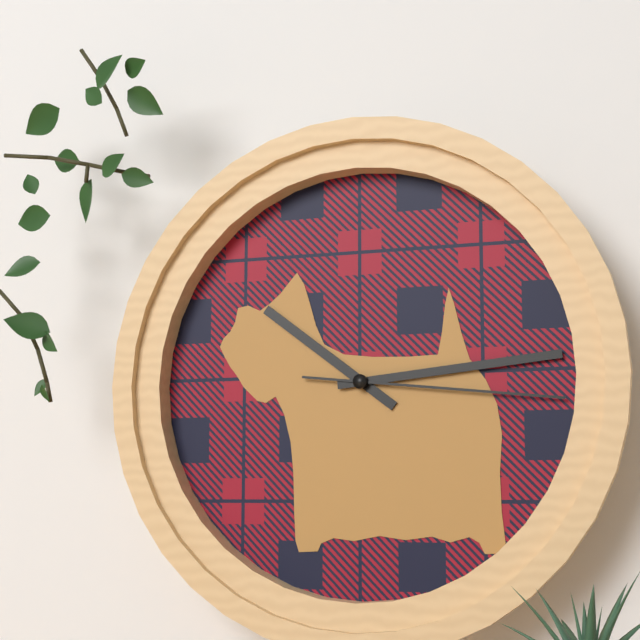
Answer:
h=10 m=14 s=16
